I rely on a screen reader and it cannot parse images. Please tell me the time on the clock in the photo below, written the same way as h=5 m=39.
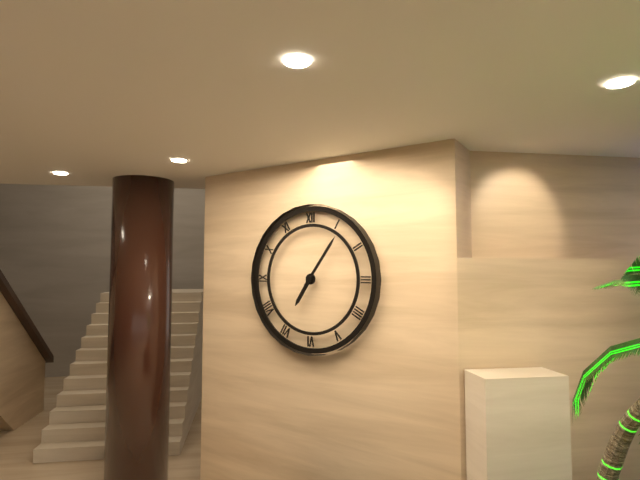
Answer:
h=7 m=6
